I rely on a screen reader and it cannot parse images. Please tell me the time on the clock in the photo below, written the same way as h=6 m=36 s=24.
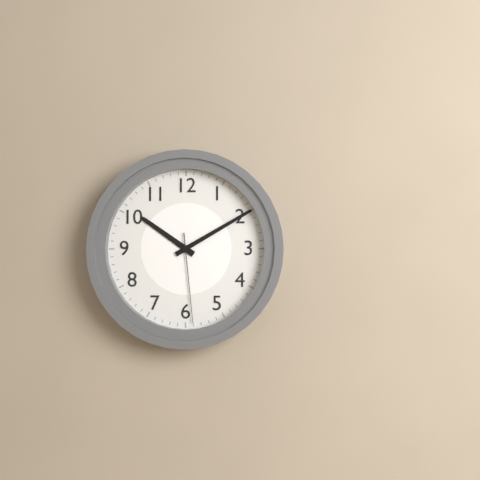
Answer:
h=10 m=10 s=29
